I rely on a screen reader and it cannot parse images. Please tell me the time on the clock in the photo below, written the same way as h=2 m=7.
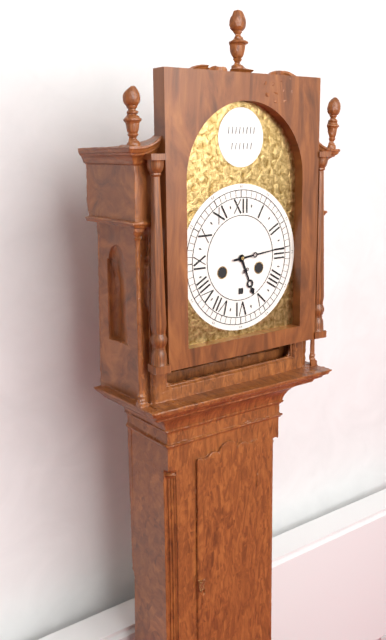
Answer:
h=5 m=14
